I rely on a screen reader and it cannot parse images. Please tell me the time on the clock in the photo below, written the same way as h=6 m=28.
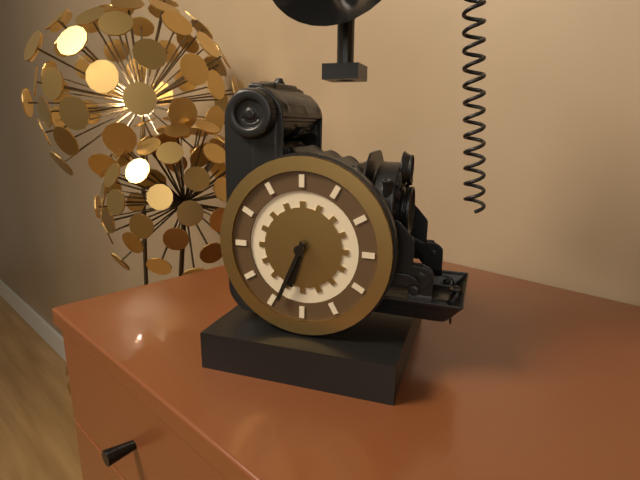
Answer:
h=6 m=34
